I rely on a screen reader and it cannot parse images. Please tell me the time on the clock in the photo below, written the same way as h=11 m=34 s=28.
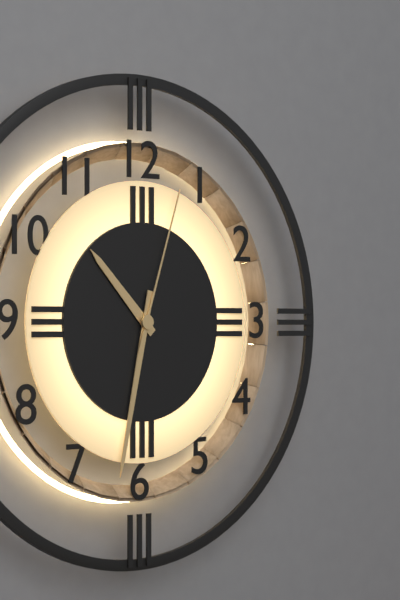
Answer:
h=10 m=32 s=3
